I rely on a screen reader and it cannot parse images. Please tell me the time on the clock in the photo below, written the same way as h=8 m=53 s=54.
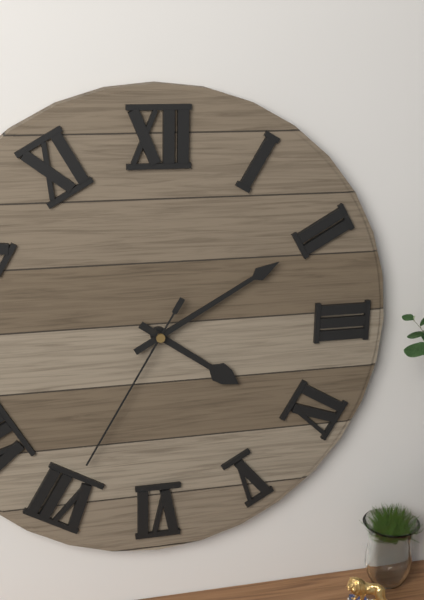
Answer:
h=4 m=10 s=35
